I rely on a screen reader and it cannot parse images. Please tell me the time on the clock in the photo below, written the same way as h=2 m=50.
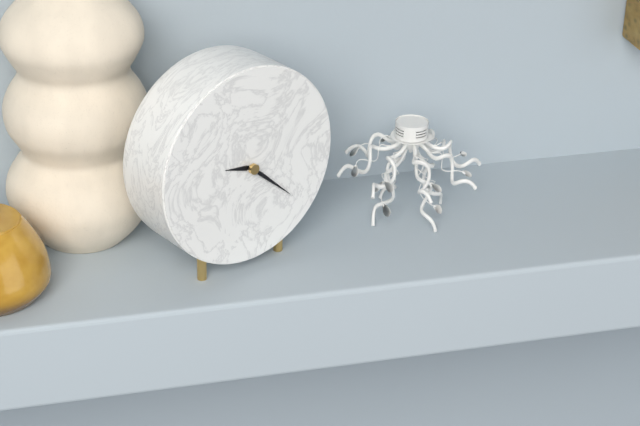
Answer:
h=9 m=22
